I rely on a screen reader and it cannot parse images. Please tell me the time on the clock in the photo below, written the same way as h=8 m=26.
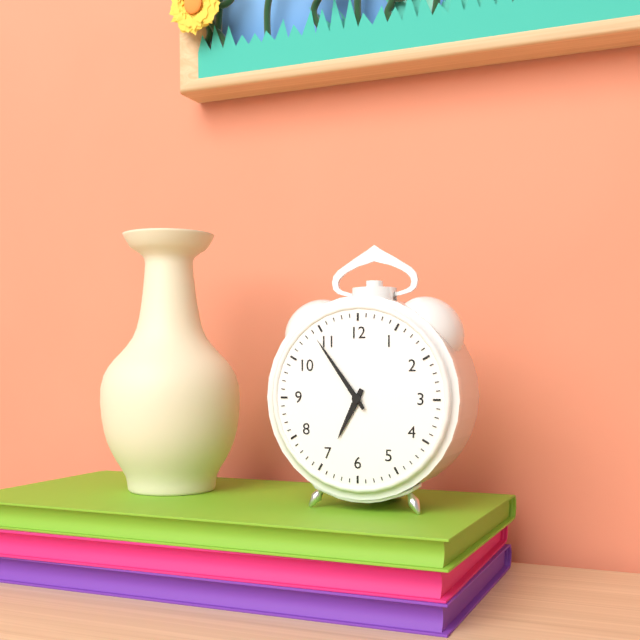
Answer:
h=6 m=54
